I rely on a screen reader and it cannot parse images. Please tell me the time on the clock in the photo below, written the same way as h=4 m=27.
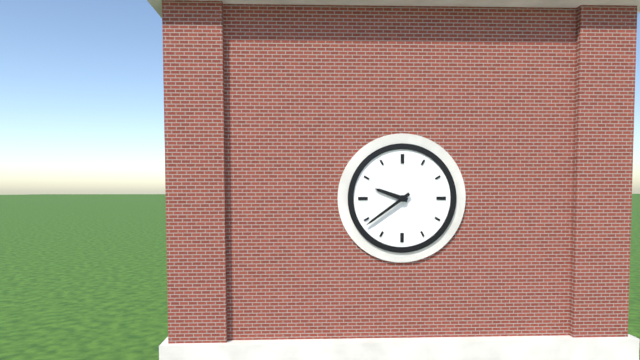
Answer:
h=9 m=39
